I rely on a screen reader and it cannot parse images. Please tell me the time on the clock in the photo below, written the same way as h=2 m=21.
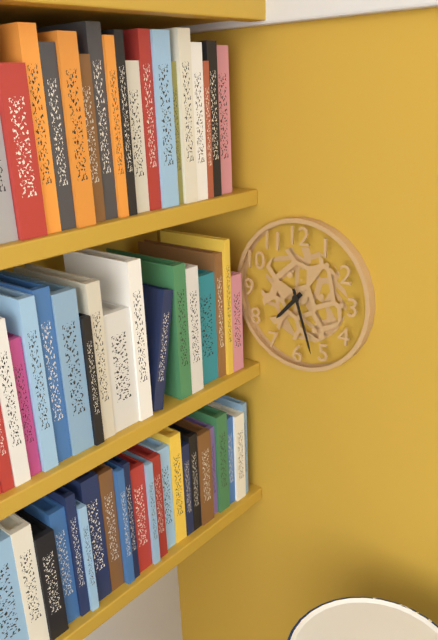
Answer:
h=7 m=27
